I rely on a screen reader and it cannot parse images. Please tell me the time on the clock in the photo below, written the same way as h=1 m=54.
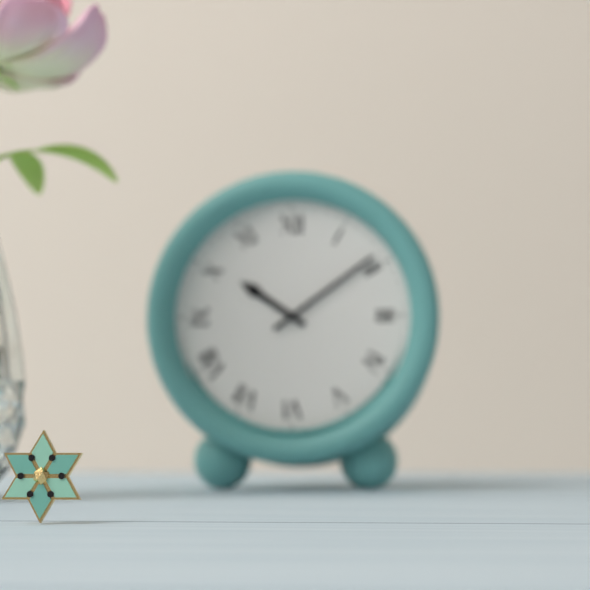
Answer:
h=10 m=9
